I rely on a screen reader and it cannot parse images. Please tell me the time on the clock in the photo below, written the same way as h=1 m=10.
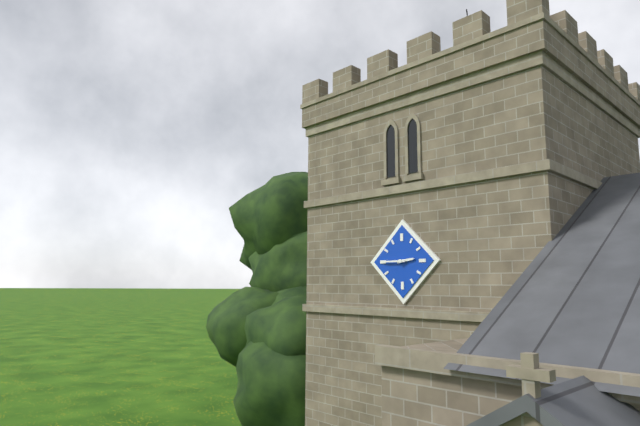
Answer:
h=2 m=45
